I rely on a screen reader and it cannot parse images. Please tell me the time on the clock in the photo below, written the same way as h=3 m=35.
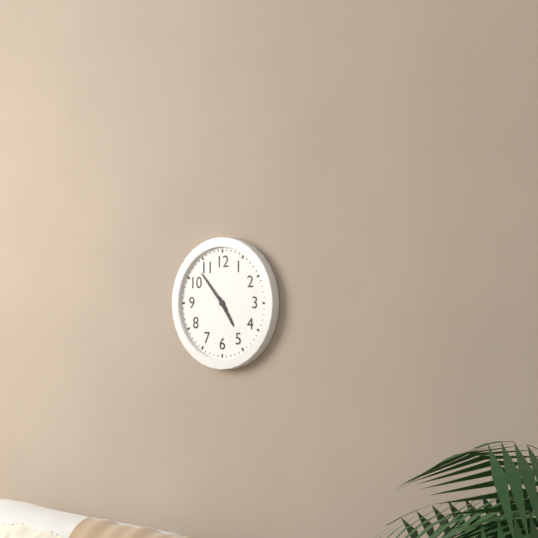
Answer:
h=4 m=53
